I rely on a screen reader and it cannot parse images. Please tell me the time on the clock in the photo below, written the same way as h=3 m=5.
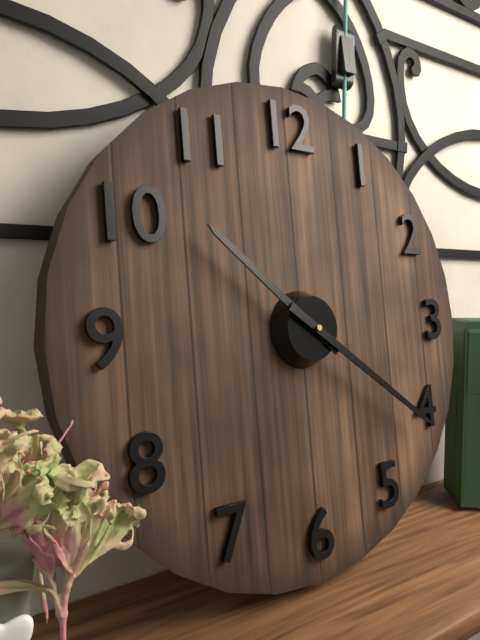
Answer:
h=10 m=21
